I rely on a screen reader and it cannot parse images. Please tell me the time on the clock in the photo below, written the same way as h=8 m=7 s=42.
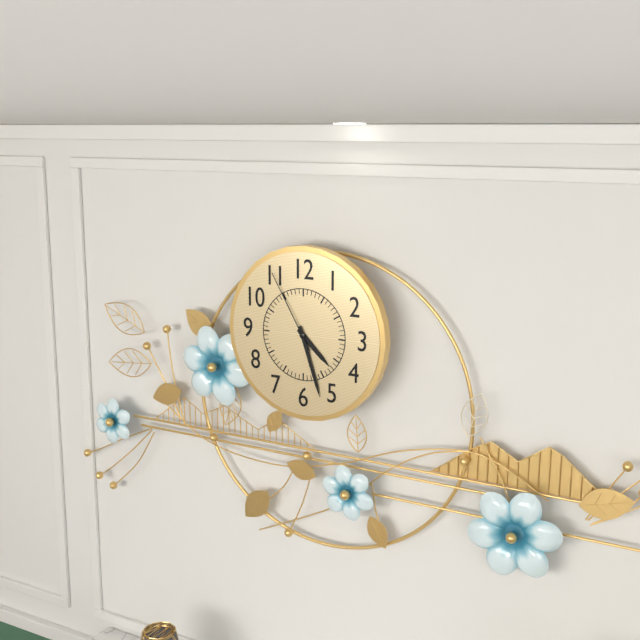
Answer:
h=4 m=27 s=55
